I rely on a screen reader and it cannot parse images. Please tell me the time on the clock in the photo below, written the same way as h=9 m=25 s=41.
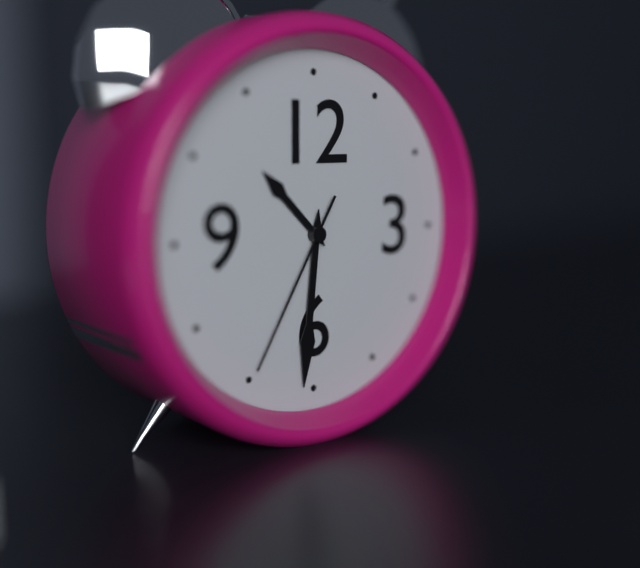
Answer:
h=10 m=31 s=35
